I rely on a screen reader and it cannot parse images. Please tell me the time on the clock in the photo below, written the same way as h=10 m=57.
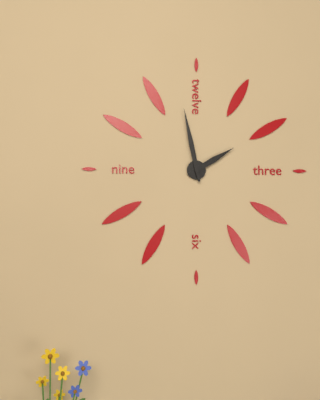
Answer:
h=1 m=58
